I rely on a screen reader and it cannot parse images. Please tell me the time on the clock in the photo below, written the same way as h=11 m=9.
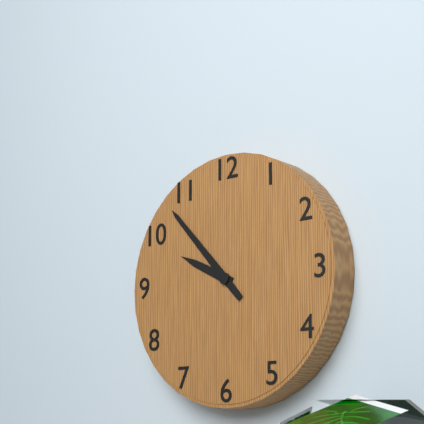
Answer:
h=9 m=53
